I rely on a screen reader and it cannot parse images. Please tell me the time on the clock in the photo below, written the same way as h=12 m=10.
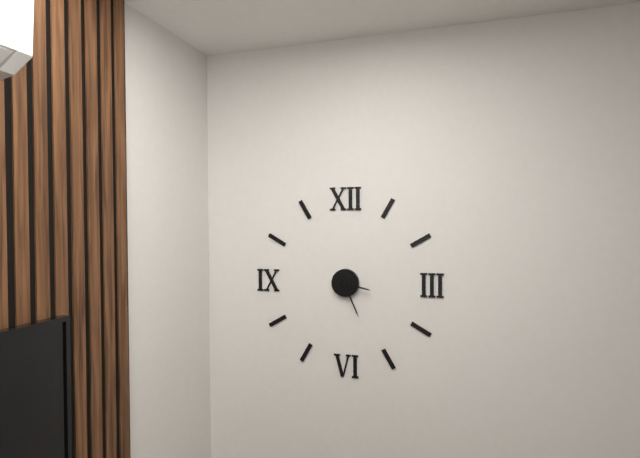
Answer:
h=3 m=26
